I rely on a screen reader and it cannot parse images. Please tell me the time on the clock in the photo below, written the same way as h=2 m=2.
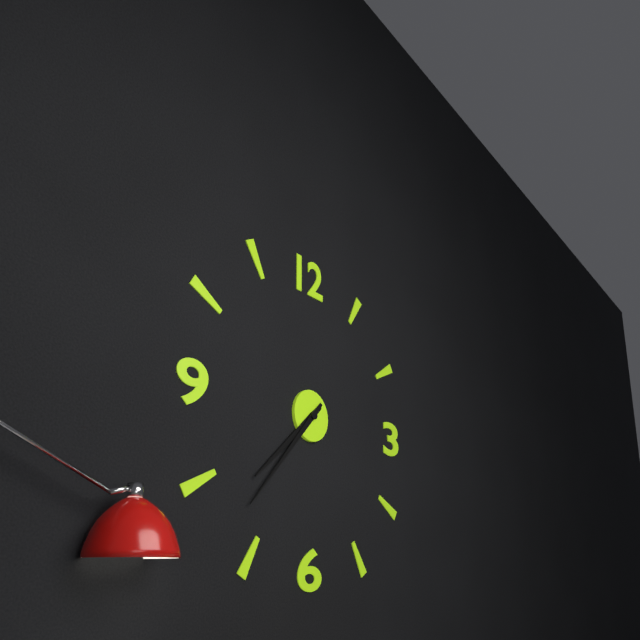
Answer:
h=7 m=37
